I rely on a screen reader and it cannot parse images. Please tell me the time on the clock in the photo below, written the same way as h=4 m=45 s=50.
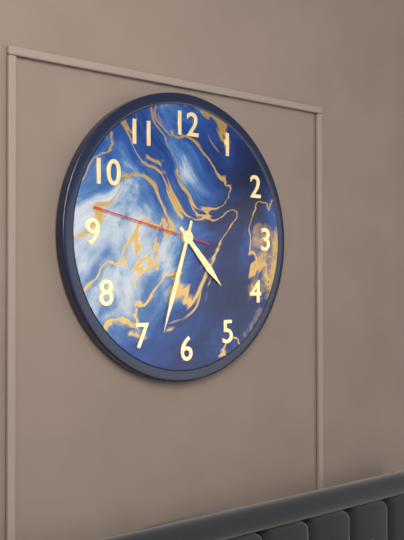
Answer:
h=4 m=33 s=47
